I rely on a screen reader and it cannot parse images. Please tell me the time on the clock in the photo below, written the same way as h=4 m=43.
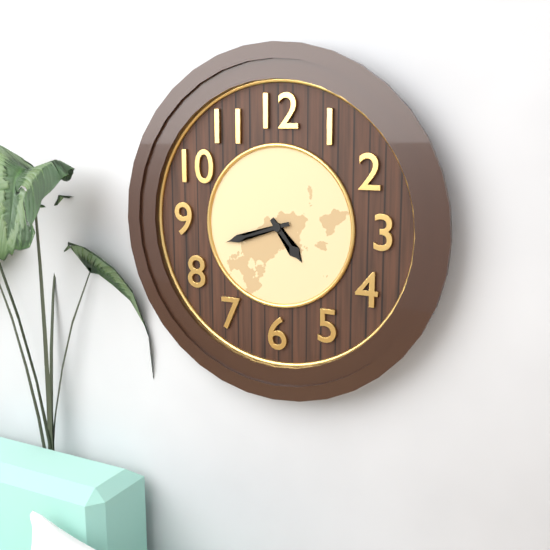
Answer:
h=4 m=42
